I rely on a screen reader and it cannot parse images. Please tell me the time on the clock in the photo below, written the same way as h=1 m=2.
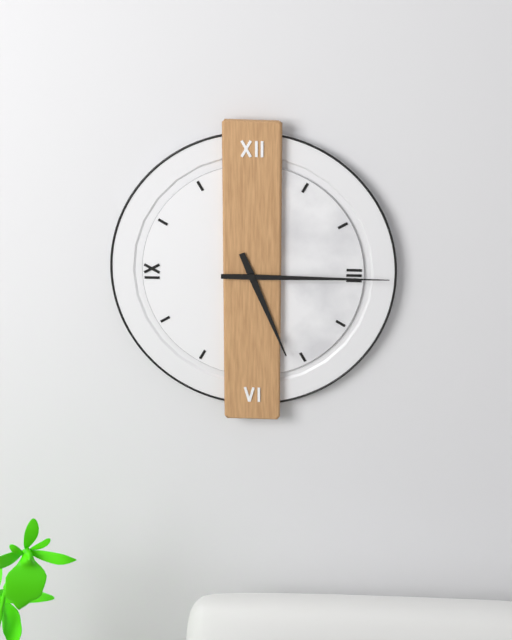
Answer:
h=5 m=15
